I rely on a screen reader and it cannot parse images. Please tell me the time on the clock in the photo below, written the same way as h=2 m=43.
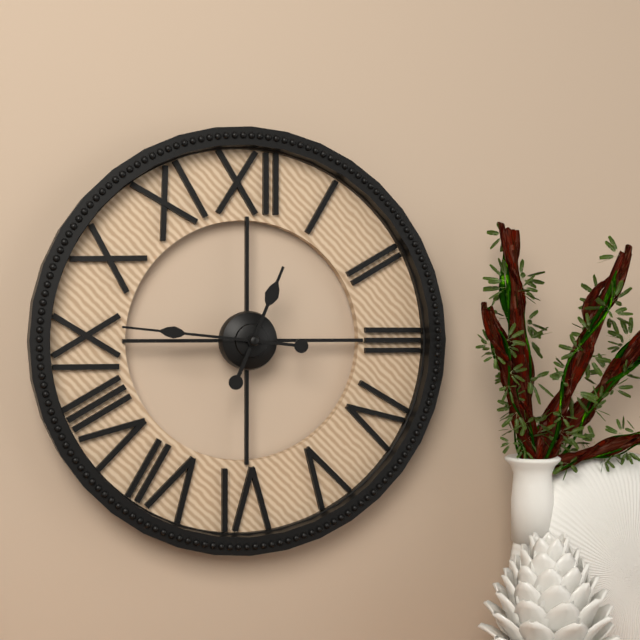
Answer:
h=12 m=46
